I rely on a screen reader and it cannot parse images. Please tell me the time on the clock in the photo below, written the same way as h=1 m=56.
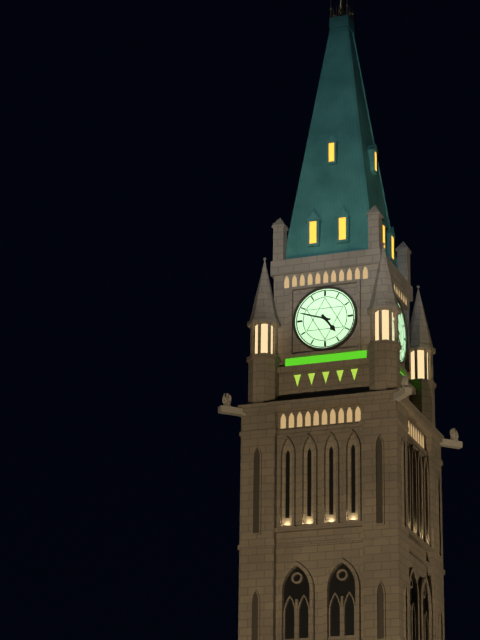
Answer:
h=4 m=48
